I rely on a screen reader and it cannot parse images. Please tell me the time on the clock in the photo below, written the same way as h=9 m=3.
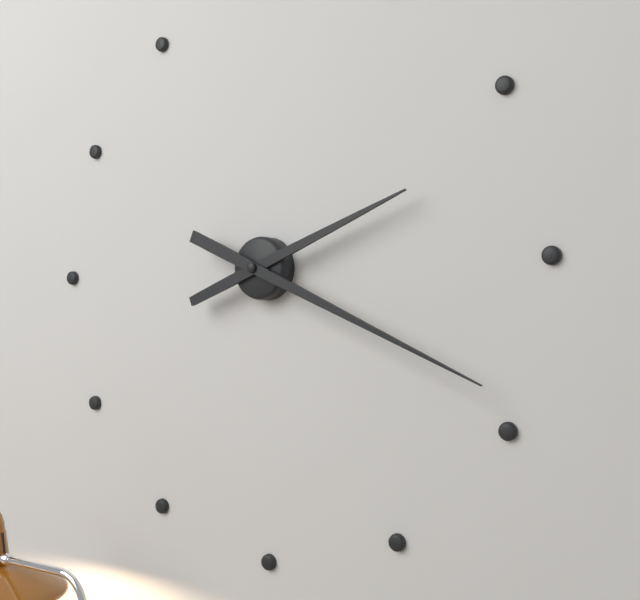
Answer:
h=2 m=19
